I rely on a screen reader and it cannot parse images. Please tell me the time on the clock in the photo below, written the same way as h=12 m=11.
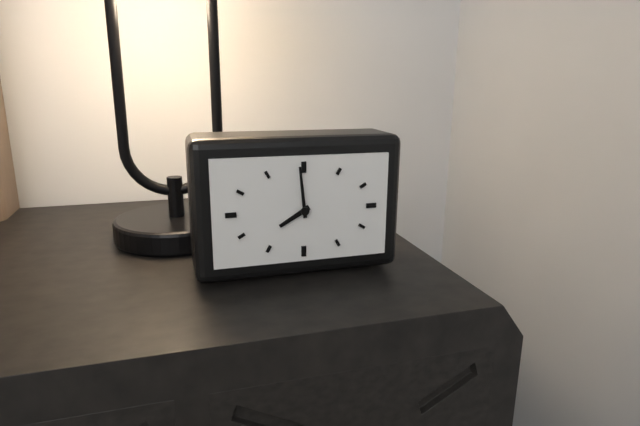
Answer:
h=7 m=59
